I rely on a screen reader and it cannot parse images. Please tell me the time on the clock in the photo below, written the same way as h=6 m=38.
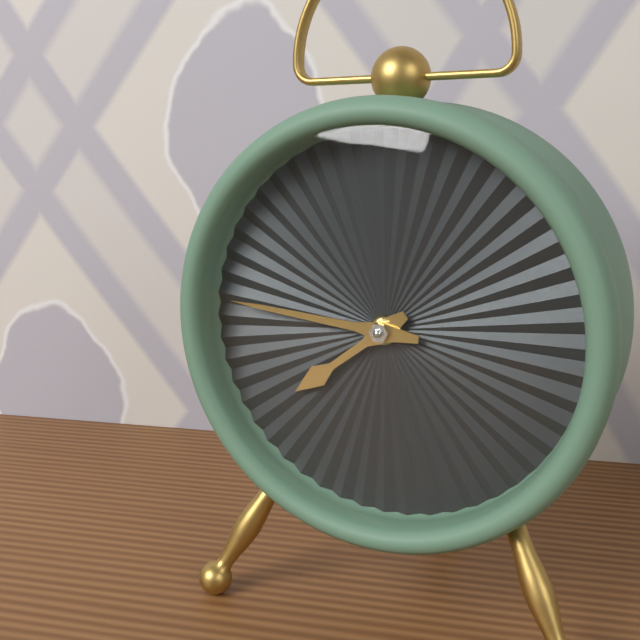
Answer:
h=7 m=46
